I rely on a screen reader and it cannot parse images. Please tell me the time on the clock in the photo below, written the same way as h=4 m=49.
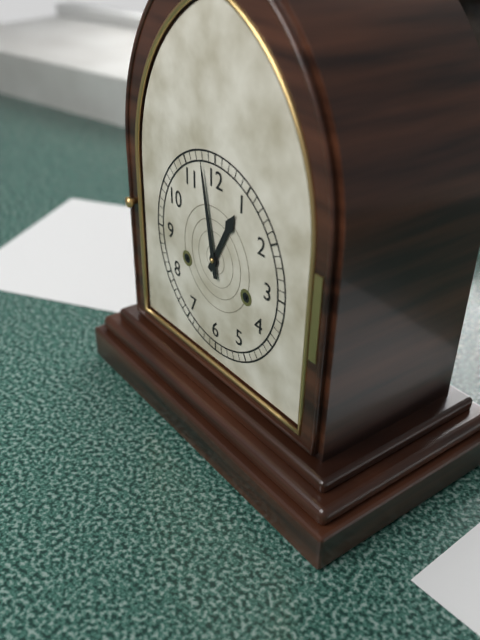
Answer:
h=12 m=58
